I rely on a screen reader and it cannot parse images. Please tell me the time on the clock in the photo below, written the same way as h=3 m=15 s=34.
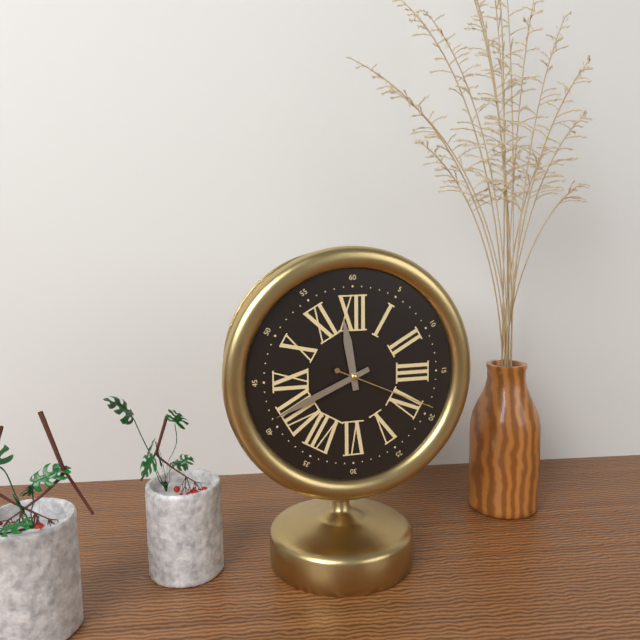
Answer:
h=11 m=41 s=19
